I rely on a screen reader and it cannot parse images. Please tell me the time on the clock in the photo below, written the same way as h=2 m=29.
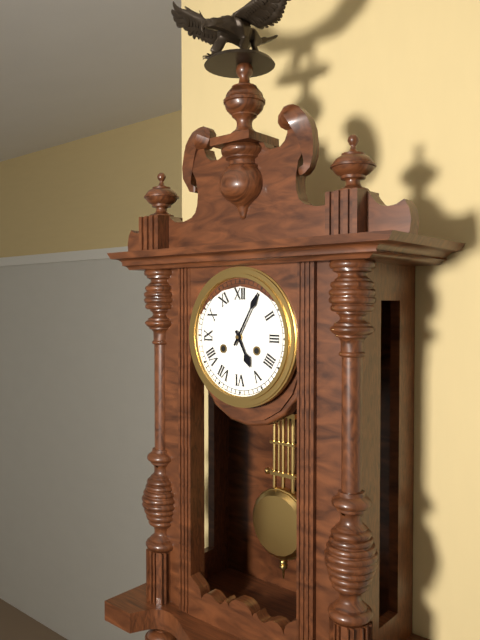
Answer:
h=5 m=5
